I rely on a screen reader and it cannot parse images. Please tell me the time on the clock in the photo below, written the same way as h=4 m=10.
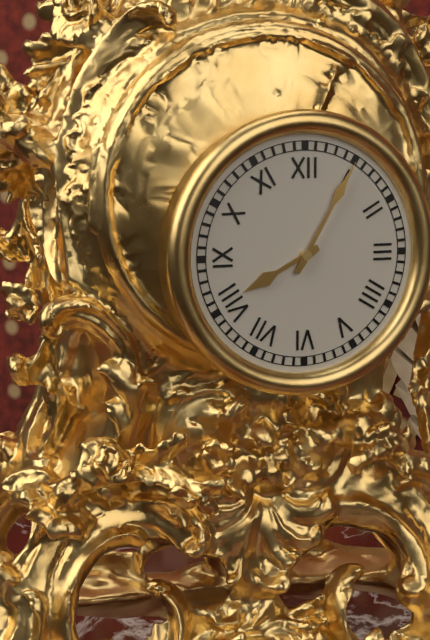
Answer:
h=8 m=5
